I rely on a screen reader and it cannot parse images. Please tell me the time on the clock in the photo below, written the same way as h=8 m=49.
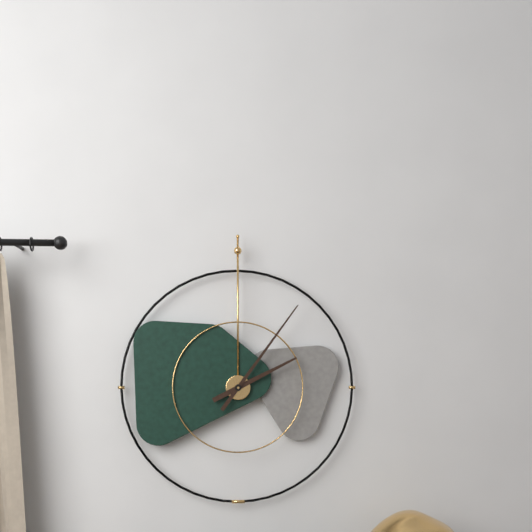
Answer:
h=2 m=6
